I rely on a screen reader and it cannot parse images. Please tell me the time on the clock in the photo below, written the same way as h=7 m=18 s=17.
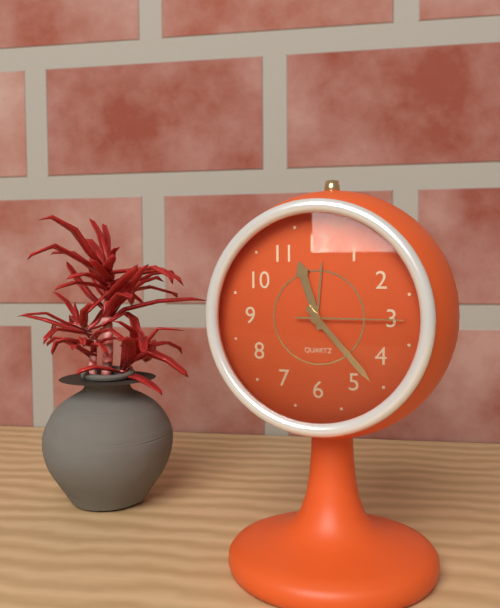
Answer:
h=11 m=23 s=15
